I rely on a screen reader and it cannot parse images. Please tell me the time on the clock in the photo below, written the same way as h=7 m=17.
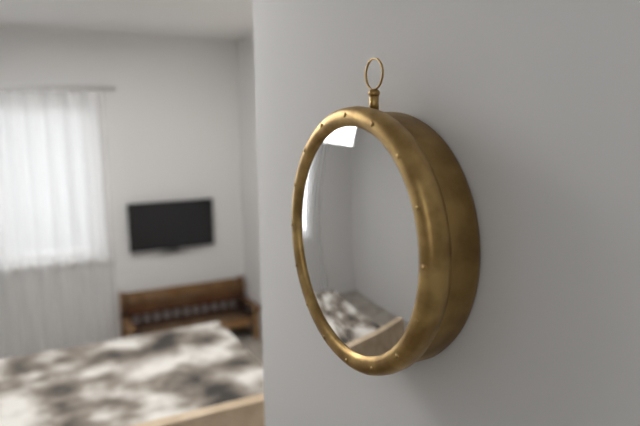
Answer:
h=2 m=27
